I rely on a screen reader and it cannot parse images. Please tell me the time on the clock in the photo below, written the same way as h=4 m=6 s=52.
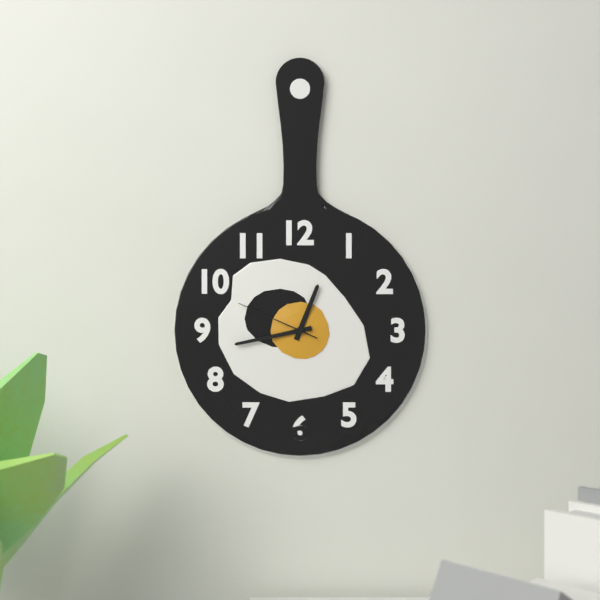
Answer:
h=12 m=43 s=49
